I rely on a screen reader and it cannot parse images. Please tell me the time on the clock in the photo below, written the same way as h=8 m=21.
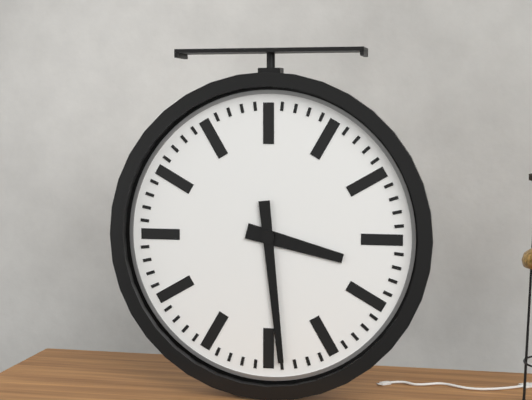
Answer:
h=3 m=29
